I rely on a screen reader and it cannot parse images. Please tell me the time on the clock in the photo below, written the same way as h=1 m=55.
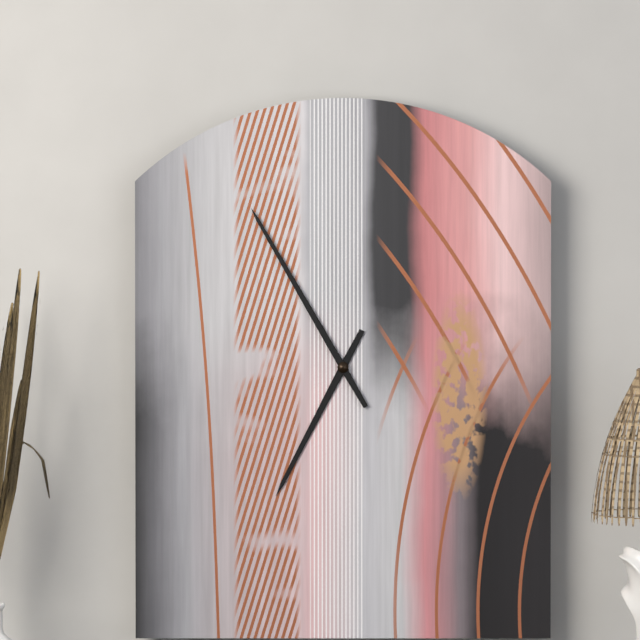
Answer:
h=6 m=55
